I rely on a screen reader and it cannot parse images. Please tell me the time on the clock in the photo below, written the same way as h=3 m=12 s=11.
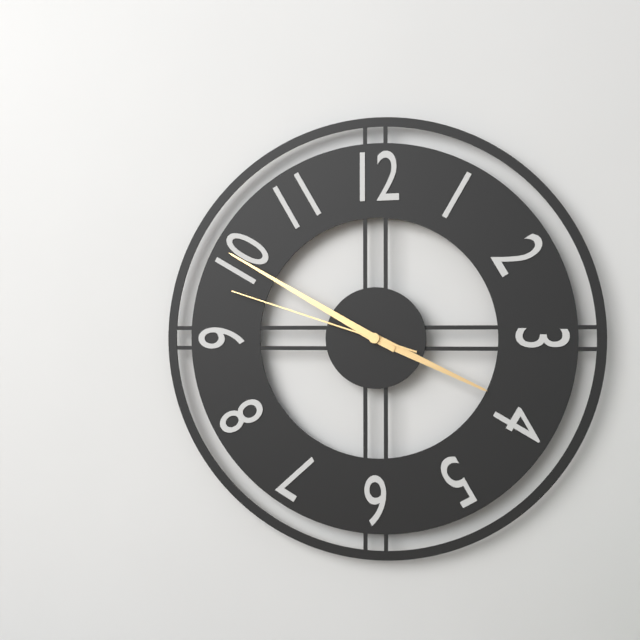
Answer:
h=3 m=50 s=48
